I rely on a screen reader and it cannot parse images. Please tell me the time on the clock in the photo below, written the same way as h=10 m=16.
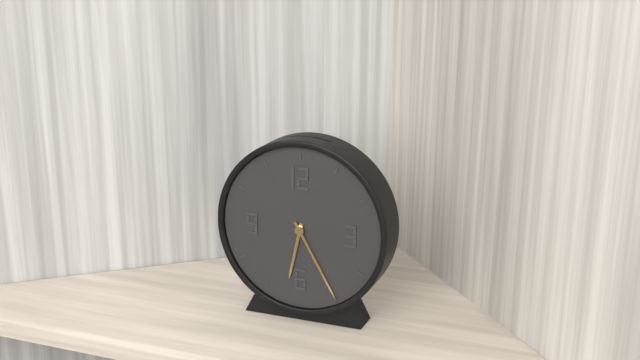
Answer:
h=6 m=25
